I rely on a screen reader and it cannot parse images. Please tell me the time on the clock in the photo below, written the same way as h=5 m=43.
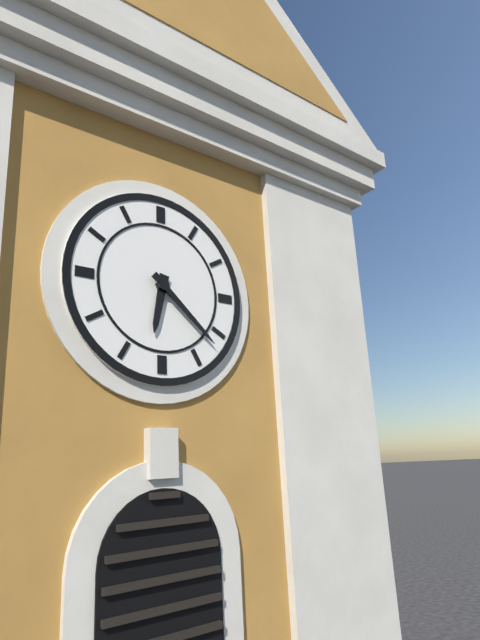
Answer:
h=6 m=22
